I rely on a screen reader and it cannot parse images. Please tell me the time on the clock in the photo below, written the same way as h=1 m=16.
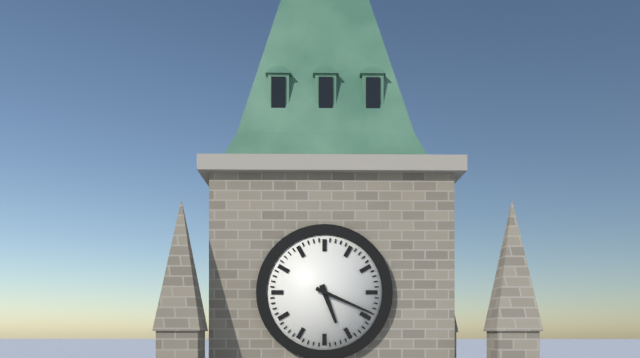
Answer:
h=5 m=19
